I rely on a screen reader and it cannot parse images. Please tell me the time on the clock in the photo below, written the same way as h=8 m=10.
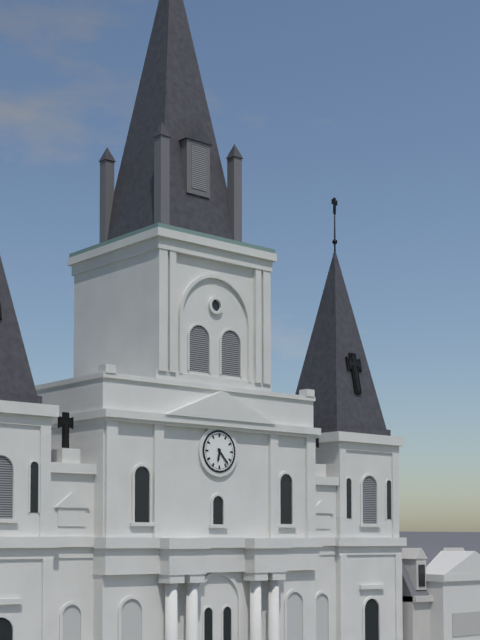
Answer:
h=6 m=23
